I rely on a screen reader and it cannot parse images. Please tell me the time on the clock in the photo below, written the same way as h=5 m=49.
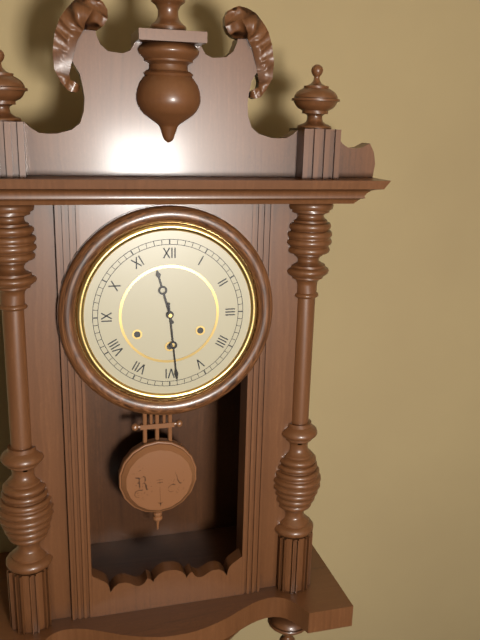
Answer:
h=11 m=29
